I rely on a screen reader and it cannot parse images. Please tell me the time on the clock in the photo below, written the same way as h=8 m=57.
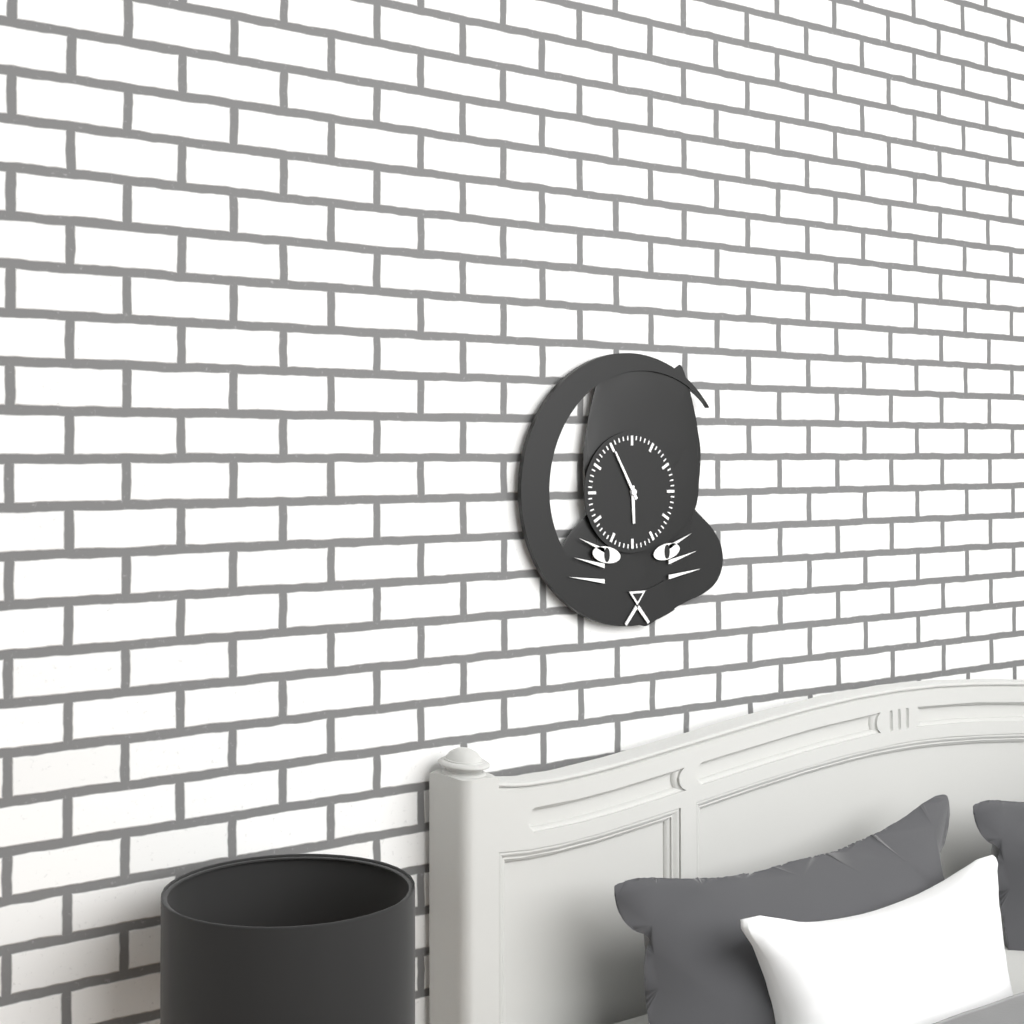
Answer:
h=5 m=55
